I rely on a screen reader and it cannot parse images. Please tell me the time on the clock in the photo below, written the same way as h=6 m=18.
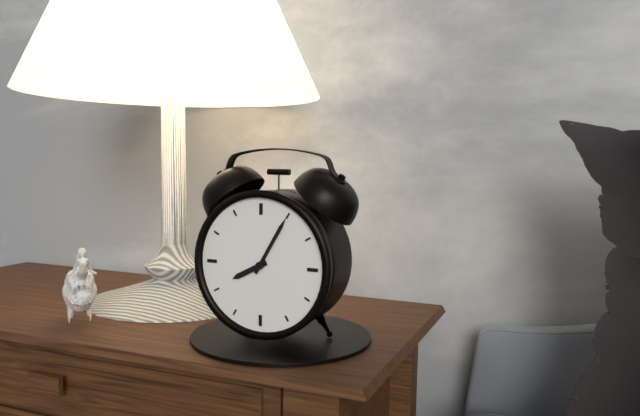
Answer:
h=8 m=5
